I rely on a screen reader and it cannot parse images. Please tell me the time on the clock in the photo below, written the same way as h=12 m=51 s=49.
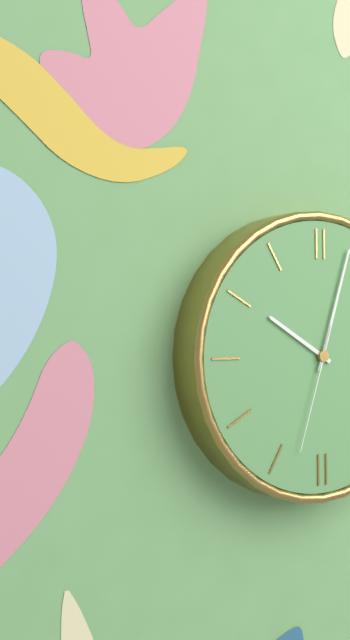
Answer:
h=10 m=3 s=33
